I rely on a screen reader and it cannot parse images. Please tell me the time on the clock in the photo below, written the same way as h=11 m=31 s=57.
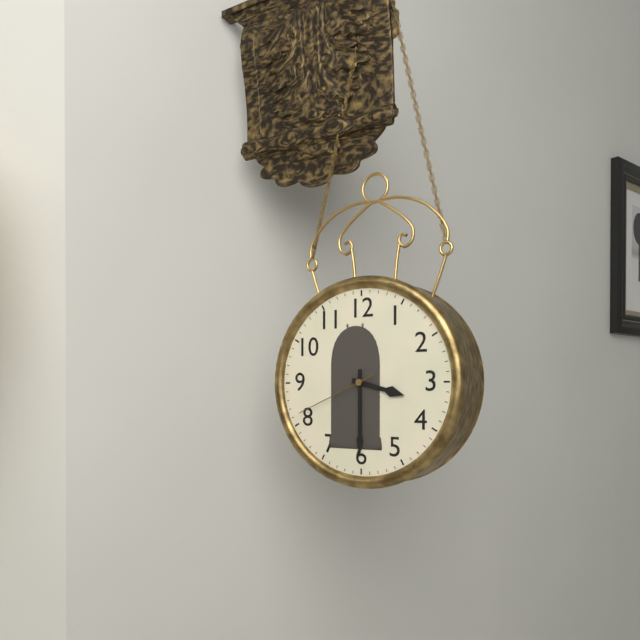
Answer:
h=3 m=30 s=41
